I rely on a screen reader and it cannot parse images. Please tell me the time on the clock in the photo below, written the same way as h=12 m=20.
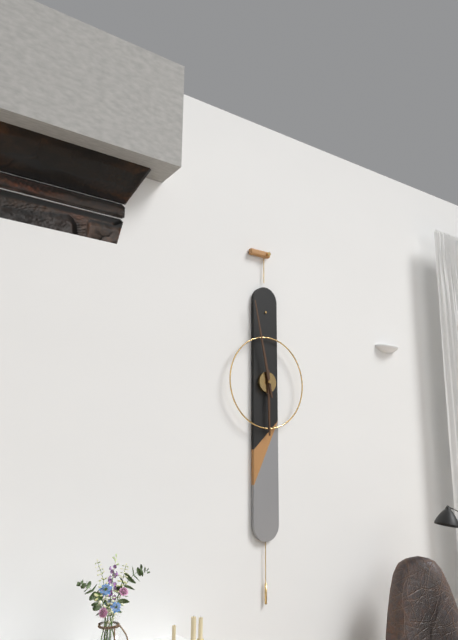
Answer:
h=5 m=58
